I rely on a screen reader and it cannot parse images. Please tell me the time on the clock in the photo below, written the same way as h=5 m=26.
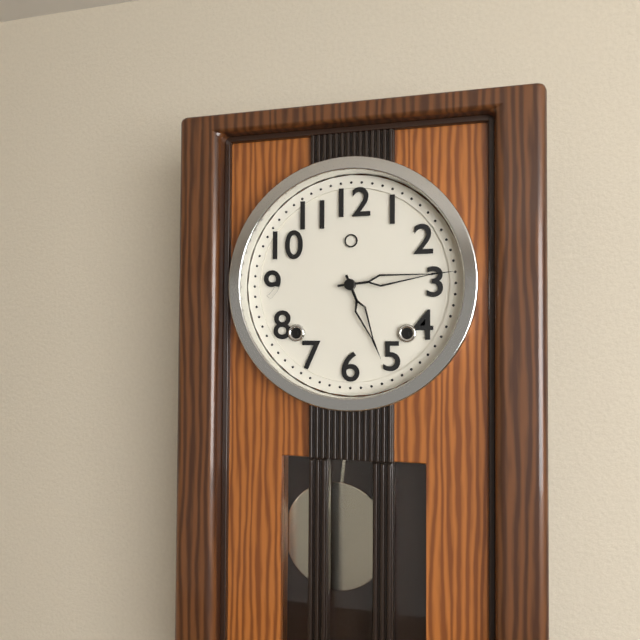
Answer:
h=5 m=14
